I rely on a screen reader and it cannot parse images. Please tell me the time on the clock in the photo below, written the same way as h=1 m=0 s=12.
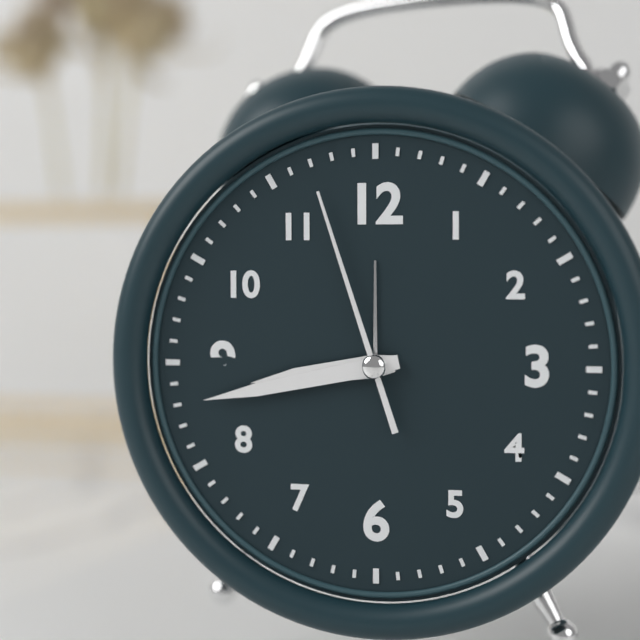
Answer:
h=8 m=43 s=57
